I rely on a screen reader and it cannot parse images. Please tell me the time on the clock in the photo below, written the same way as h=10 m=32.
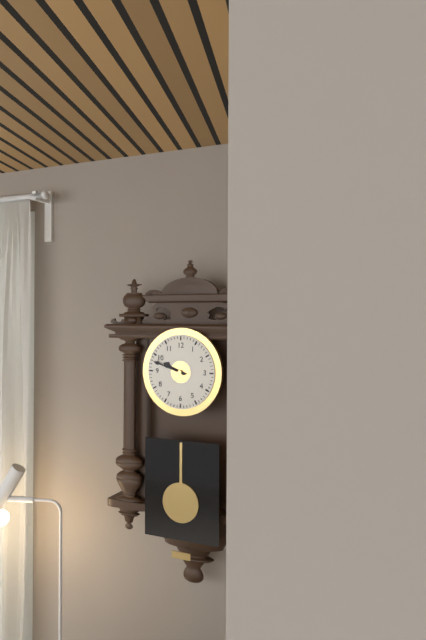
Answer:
h=9 m=48
